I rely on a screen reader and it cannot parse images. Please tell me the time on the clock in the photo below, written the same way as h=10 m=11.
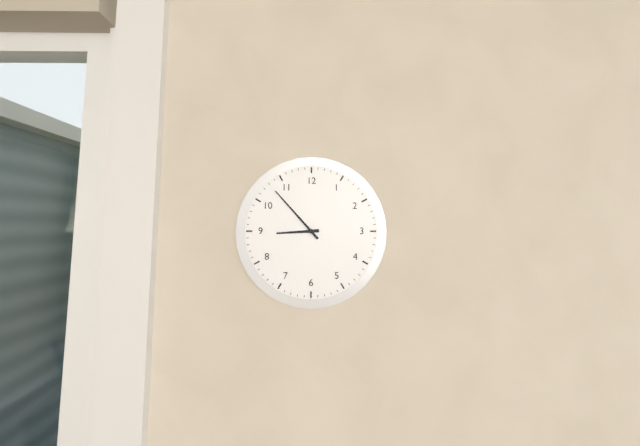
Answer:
h=8 m=53
